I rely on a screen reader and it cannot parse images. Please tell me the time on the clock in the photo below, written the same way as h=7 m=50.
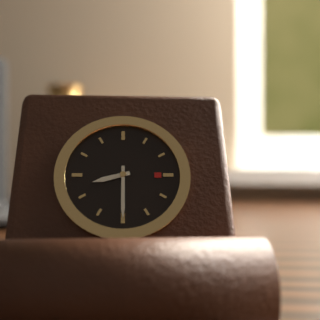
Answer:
h=8 m=30
